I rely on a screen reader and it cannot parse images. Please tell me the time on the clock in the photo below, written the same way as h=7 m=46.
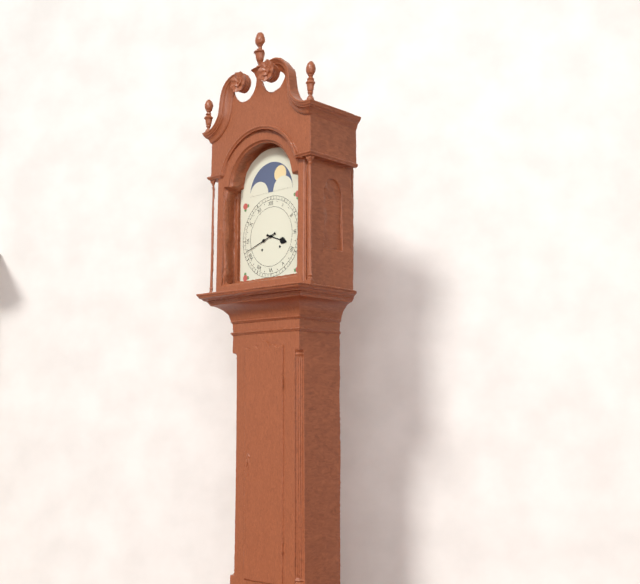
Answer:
h=3 m=42
